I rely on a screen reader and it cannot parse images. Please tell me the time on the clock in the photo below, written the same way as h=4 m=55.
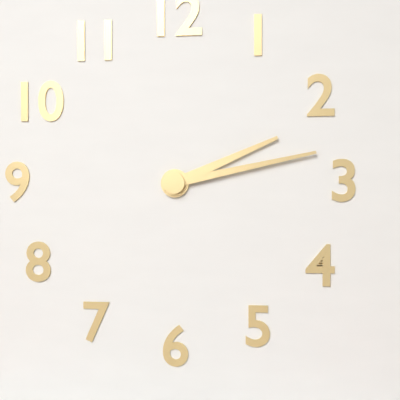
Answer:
h=2 m=13
